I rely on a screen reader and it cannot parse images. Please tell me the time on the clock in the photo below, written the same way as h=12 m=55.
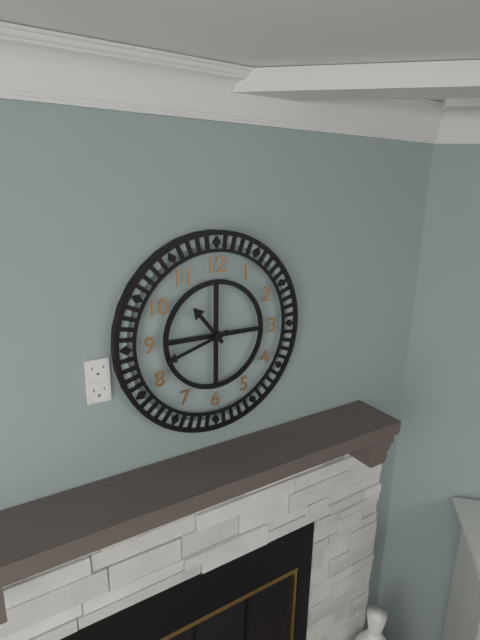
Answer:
h=10 m=42
